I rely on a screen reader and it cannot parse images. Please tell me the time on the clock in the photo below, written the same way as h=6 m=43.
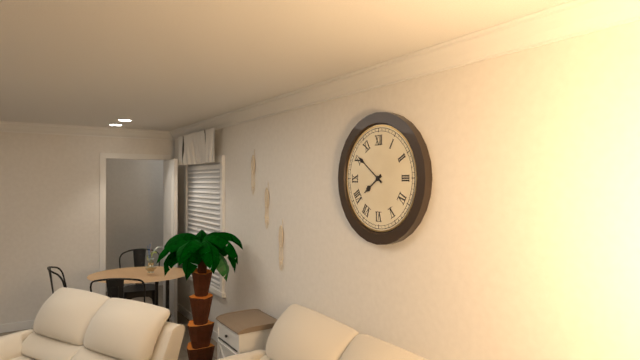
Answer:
h=7 m=51
